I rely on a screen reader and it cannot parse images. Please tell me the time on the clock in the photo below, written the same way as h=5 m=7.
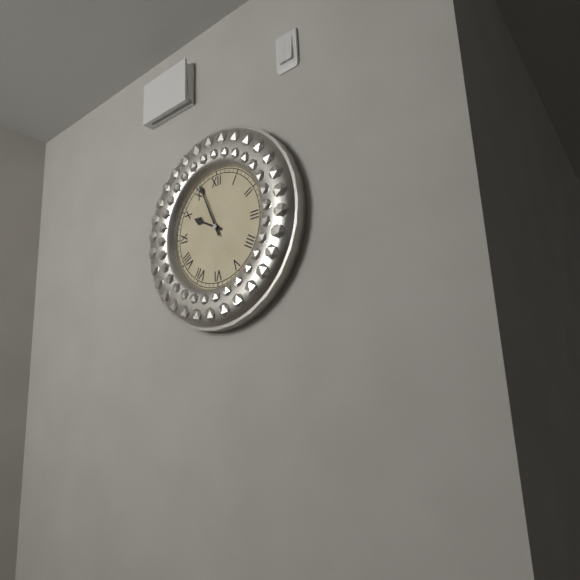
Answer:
h=9 m=56
